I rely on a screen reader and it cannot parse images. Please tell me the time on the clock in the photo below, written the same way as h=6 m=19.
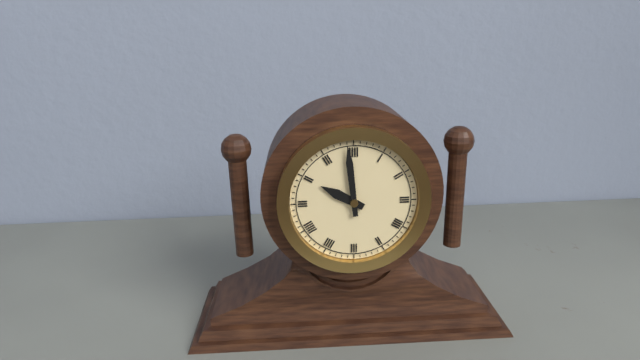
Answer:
h=9 m=59
